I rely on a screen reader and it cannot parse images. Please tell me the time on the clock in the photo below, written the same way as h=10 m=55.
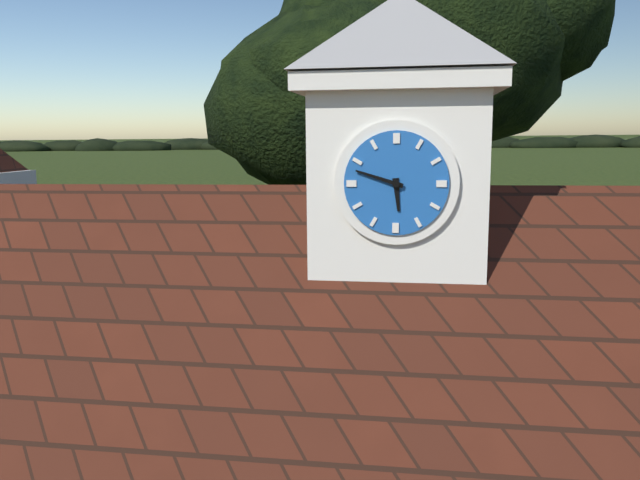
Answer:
h=5 m=48
